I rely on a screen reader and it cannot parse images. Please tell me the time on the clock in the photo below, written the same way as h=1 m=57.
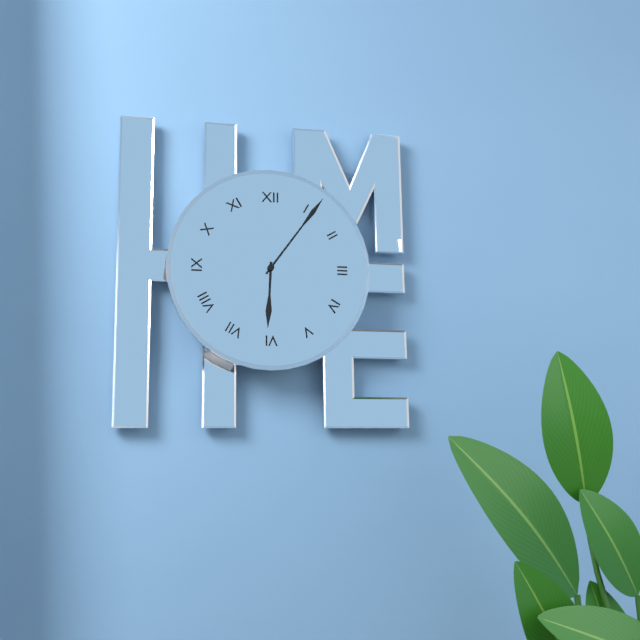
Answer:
h=6 m=6
